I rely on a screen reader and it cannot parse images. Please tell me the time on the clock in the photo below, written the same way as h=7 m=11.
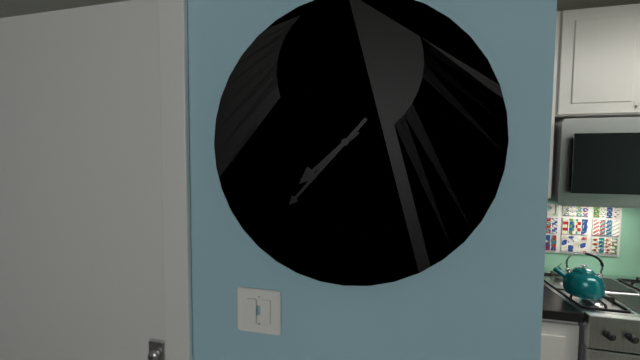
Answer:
h=7 m=37
